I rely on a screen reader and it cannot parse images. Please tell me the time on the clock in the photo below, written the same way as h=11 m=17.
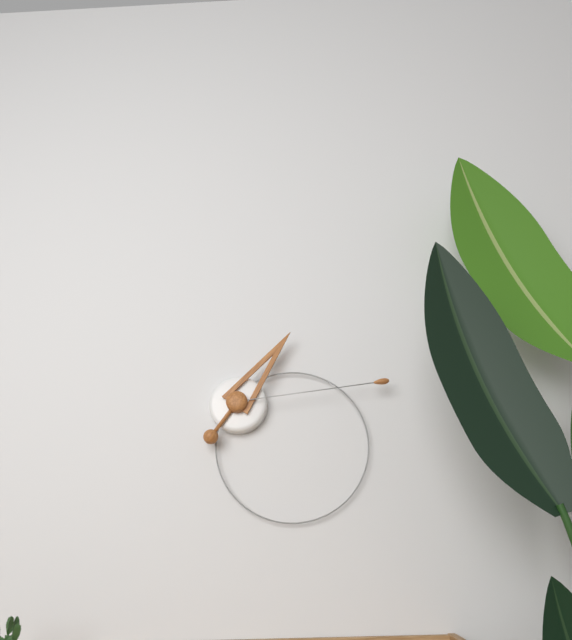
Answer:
h=1 m=14
